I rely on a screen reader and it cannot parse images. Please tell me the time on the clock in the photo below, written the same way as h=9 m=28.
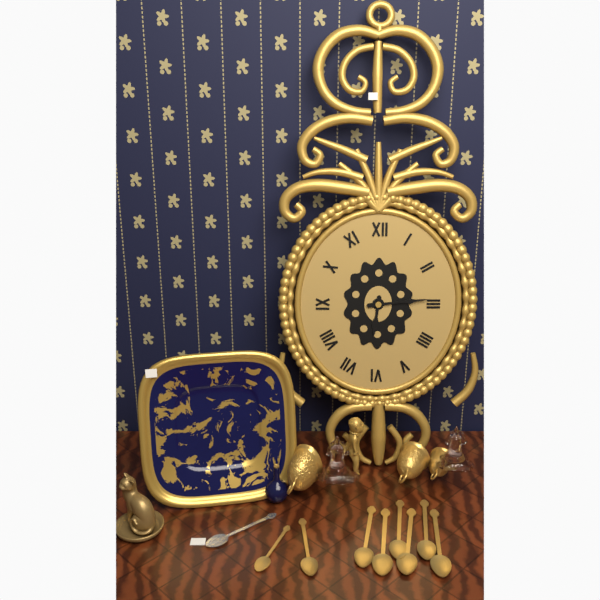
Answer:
h=6 m=14
